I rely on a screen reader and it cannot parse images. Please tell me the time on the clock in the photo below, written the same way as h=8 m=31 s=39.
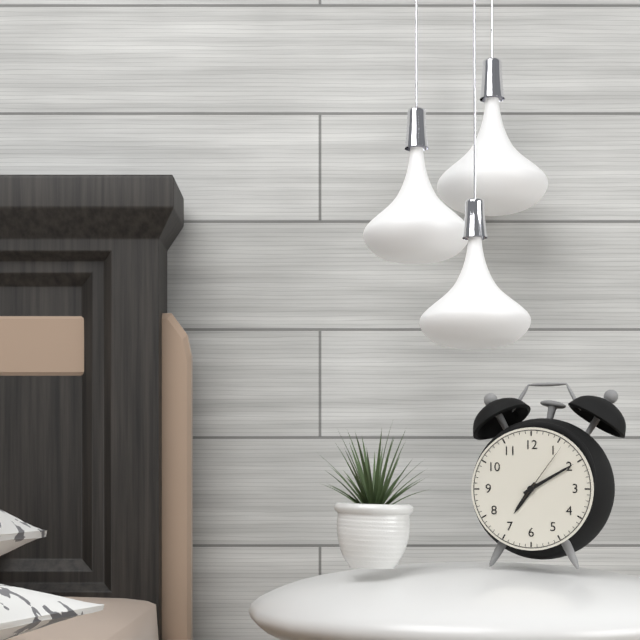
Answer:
h=7 m=10 s=6
